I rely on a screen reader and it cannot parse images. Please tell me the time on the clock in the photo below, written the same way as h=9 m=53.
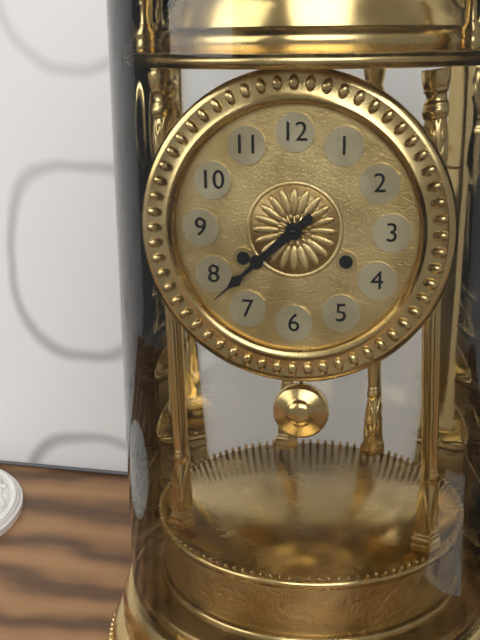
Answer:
h=7 m=38
